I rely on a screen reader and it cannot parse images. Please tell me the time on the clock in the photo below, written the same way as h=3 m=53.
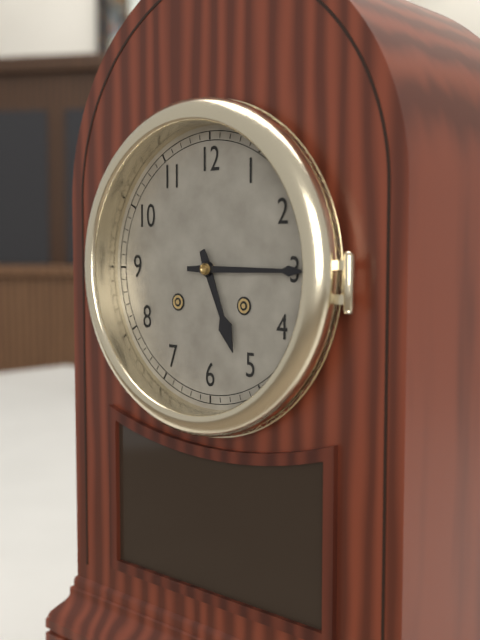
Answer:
h=5 m=15
